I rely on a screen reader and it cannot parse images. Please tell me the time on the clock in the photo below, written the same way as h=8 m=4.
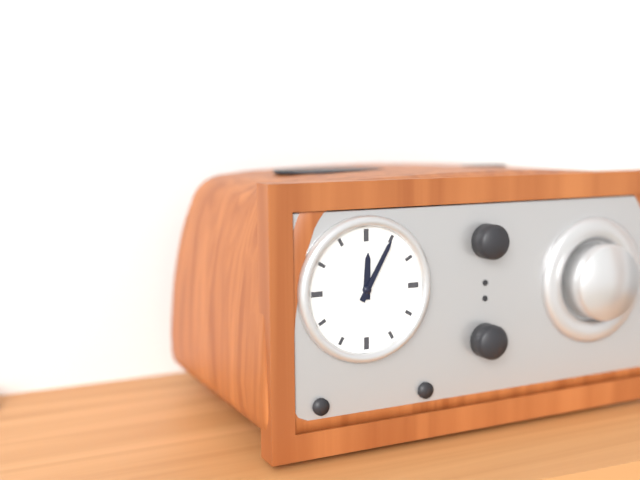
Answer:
h=12 m=5
